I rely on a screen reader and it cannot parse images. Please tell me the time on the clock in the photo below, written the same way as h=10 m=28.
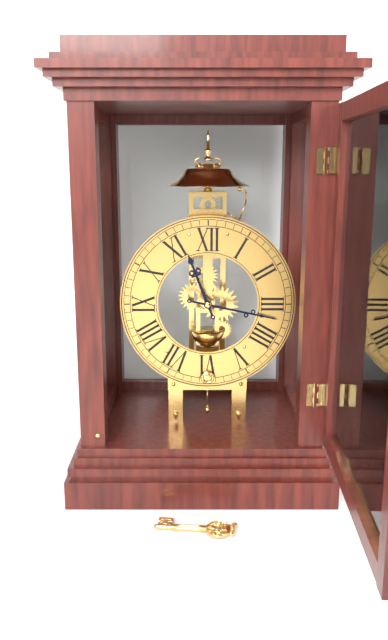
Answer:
h=11 m=17
